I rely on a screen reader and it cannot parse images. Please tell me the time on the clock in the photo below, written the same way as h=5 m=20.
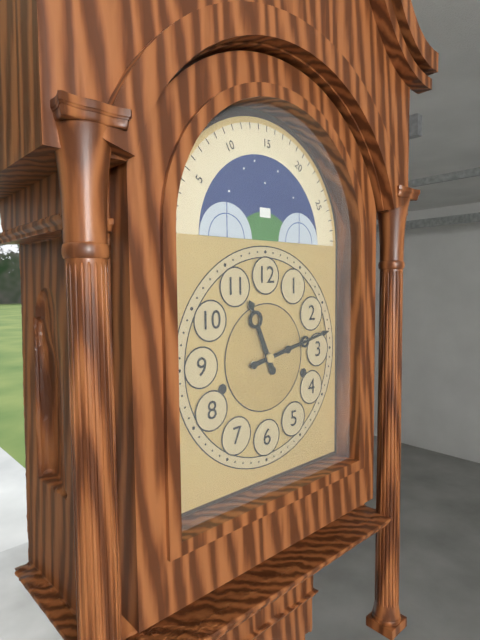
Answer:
h=11 m=13
